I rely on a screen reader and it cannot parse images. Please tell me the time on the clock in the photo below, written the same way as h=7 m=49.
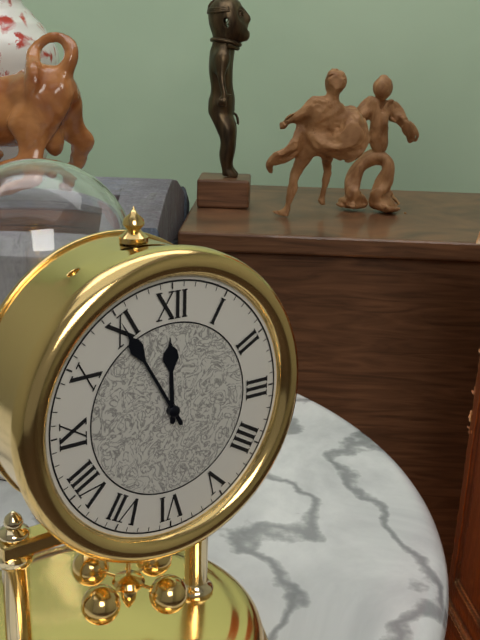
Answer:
h=11 m=55
